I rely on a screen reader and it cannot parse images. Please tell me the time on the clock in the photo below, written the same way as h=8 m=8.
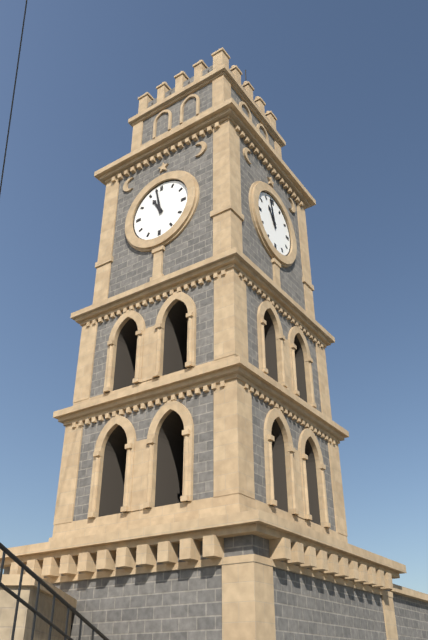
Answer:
h=10 m=58
